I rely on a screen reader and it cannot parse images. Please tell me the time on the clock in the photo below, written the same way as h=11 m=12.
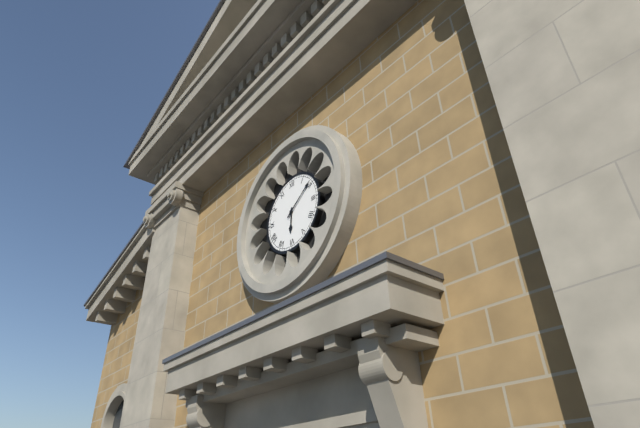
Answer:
h=6 m=9
